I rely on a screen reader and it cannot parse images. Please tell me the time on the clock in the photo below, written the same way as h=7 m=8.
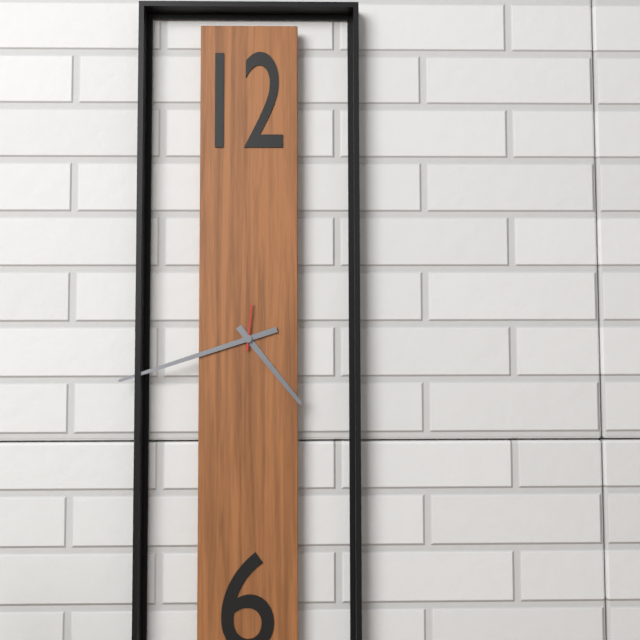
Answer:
h=4 m=42
